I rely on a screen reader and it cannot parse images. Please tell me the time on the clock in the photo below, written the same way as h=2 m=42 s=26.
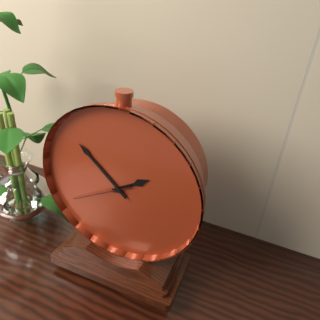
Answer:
h=1 m=52 s=40
